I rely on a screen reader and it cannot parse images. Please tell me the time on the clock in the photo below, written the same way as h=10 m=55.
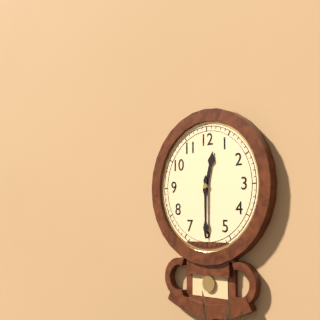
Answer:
h=12 m=30
